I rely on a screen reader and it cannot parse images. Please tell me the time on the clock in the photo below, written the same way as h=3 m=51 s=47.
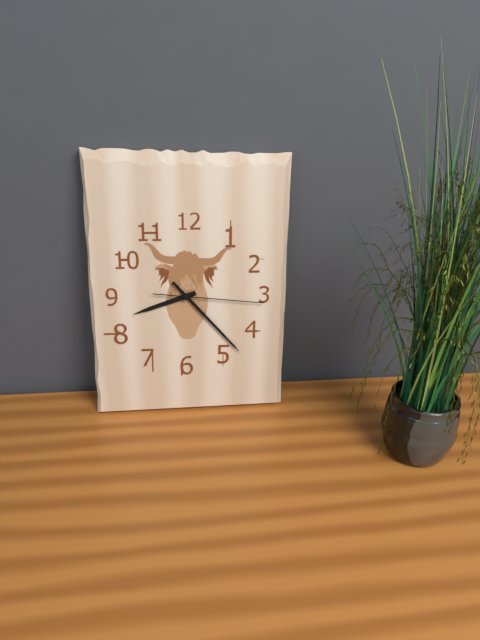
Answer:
h=8 m=23 s=16
